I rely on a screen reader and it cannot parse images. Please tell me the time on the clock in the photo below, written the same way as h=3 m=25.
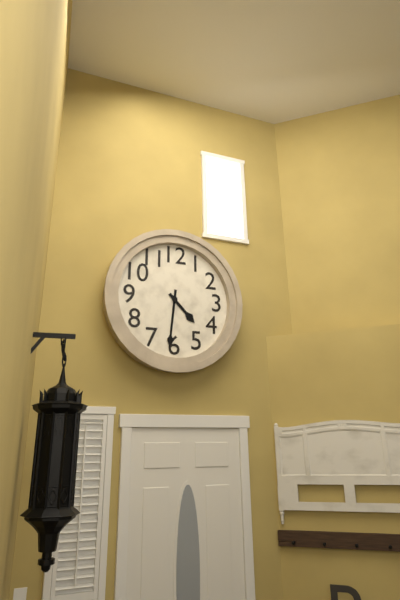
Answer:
h=4 m=31
